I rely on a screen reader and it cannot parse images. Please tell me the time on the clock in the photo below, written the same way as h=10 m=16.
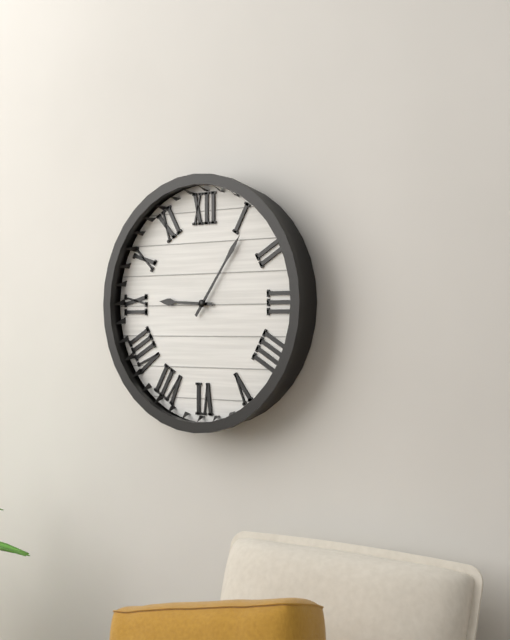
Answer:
h=9 m=6
